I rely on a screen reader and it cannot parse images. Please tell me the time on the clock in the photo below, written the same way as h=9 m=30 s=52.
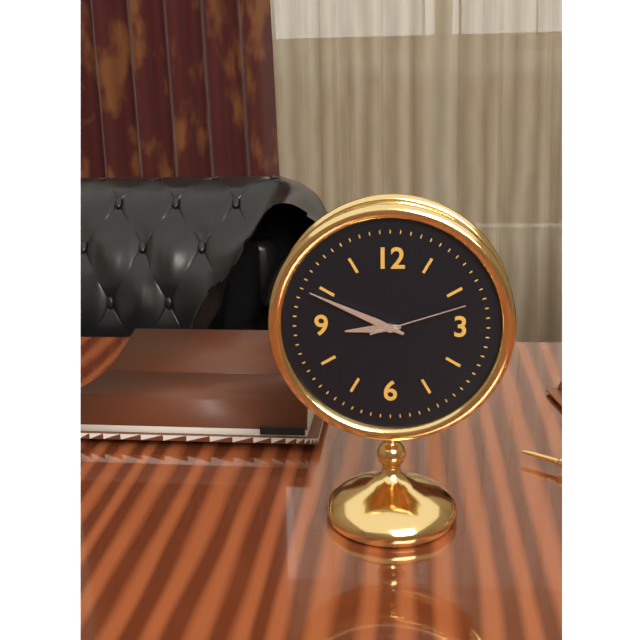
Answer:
h=8 m=49 s=12
